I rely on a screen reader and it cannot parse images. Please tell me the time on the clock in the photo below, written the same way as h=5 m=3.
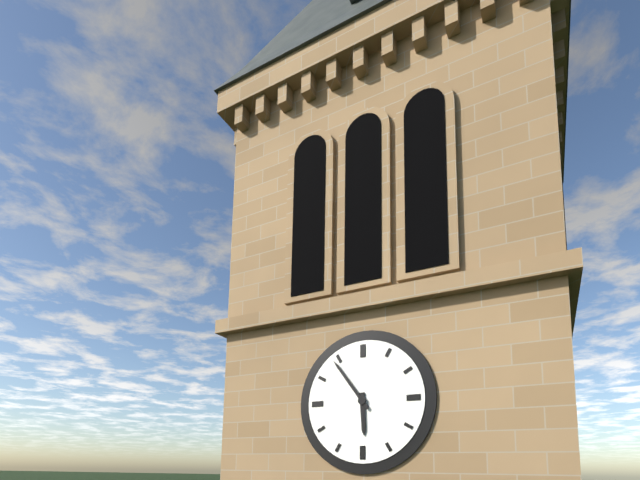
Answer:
h=5 m=54
